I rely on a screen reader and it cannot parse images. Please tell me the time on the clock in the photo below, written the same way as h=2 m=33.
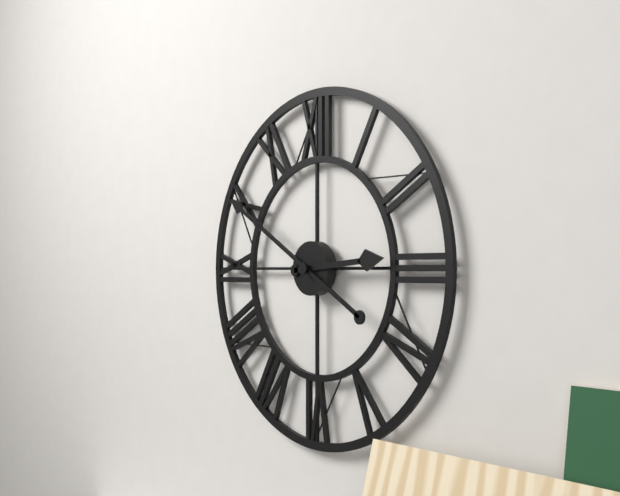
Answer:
h=2 m=50
